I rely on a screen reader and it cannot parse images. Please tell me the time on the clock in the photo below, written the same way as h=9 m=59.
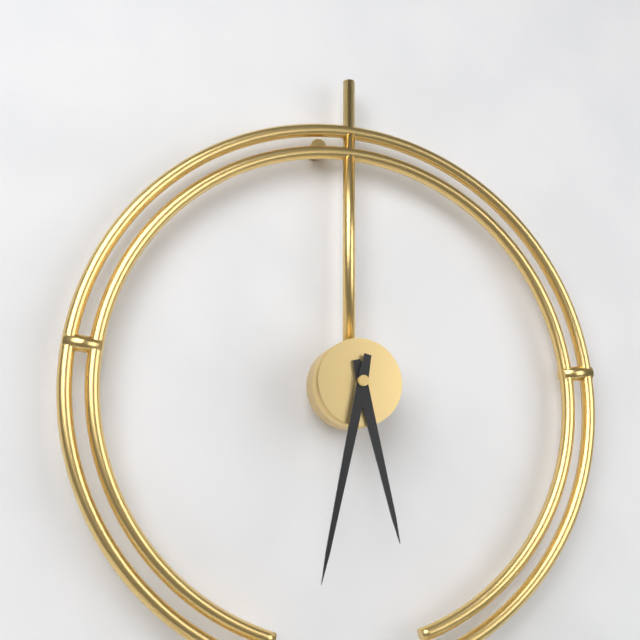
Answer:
h=5 m=32
